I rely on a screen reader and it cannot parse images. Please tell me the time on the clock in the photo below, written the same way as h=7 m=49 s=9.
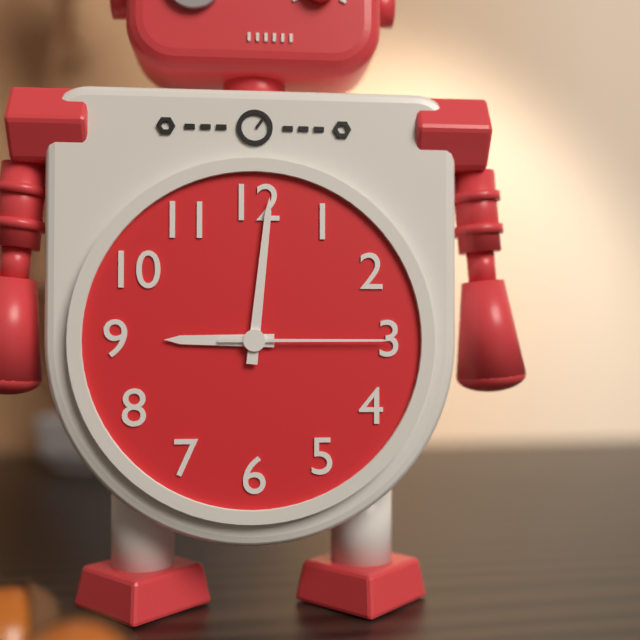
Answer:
h=9 m=1 s=15
